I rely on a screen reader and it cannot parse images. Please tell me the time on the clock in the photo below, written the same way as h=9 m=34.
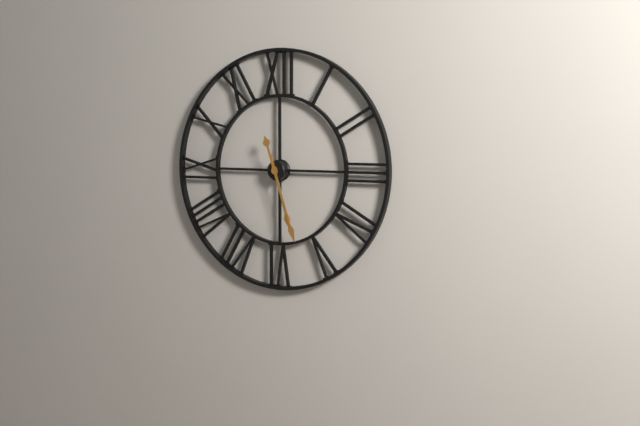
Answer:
h=5 m=27
